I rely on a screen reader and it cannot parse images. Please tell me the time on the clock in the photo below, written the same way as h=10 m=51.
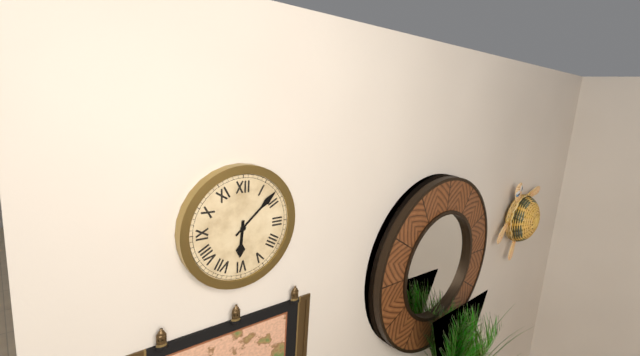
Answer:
h=6 m=8
